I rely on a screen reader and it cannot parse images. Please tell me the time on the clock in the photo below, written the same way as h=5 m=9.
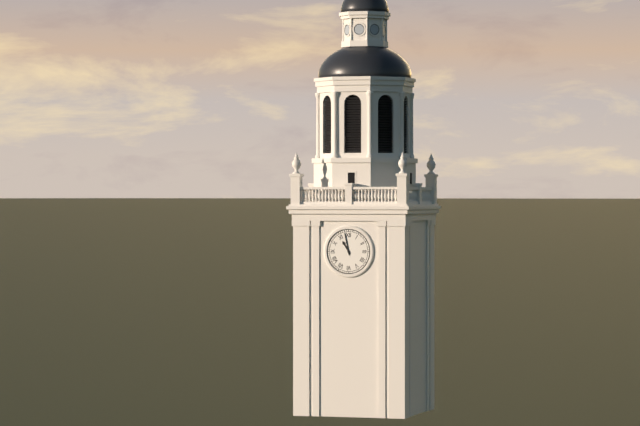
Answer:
h=10 m=58
